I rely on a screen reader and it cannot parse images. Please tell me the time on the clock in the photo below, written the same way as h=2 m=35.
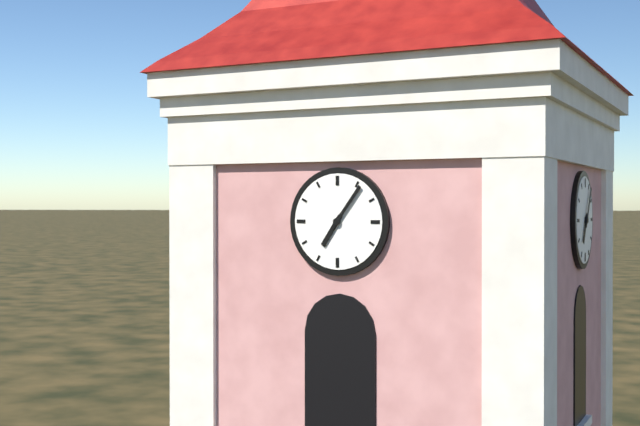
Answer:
h=7 m=6
